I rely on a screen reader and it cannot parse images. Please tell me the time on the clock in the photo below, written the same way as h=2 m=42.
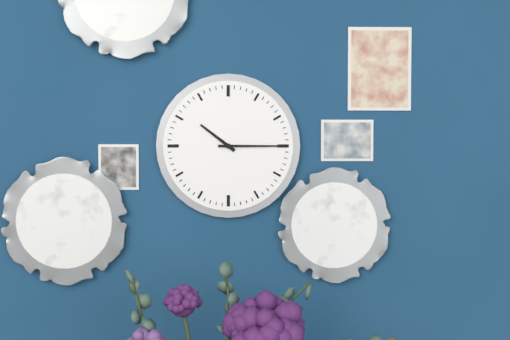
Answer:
h=10 m=15
